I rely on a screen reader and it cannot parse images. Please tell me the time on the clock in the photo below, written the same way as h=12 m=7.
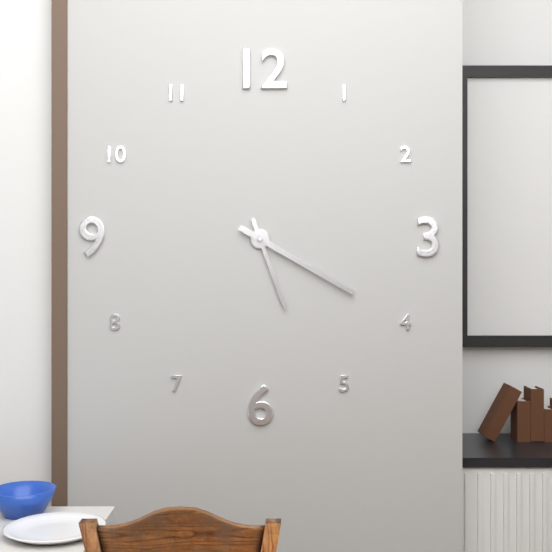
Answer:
h=5 m=20
